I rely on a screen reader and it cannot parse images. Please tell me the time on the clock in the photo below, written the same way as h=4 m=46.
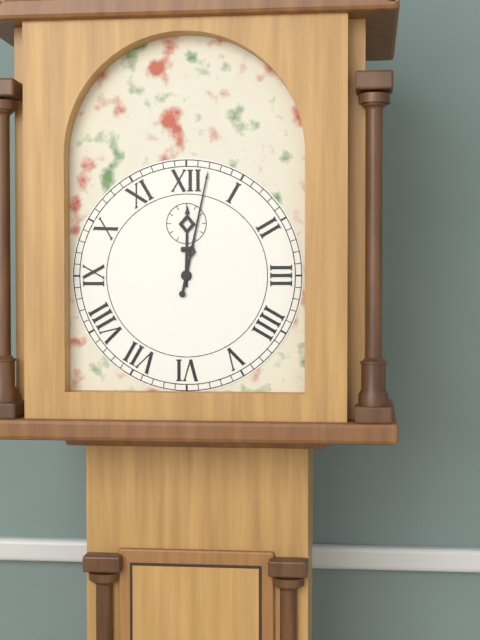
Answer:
h=12 m=2
